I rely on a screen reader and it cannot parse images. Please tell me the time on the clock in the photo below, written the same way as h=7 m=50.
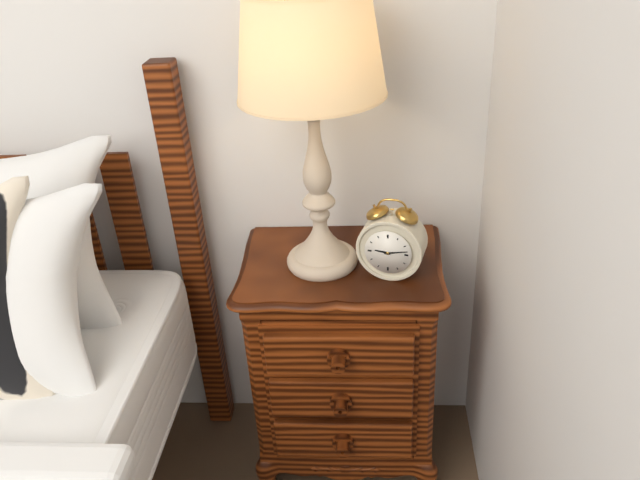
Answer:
h=9 m=13
